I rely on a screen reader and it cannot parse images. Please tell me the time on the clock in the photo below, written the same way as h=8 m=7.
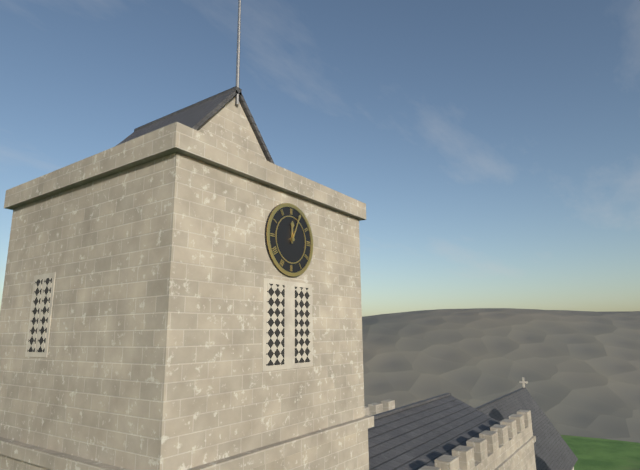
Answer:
h=12 m=4
